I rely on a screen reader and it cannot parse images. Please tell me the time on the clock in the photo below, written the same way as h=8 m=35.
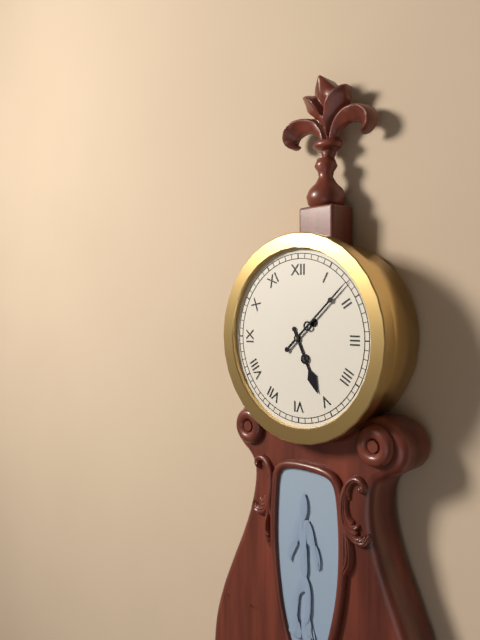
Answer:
h=5 m=8
